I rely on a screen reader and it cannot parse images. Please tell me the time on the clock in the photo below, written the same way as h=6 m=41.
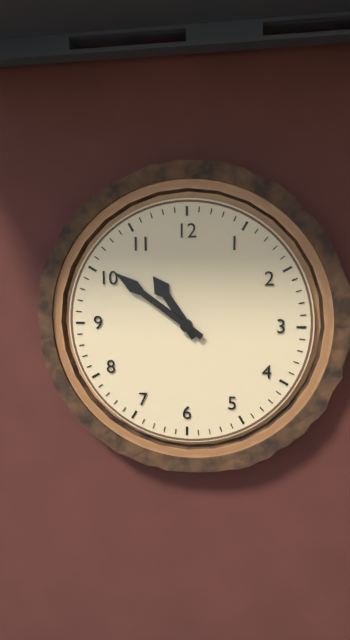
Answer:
h=10 m=51
